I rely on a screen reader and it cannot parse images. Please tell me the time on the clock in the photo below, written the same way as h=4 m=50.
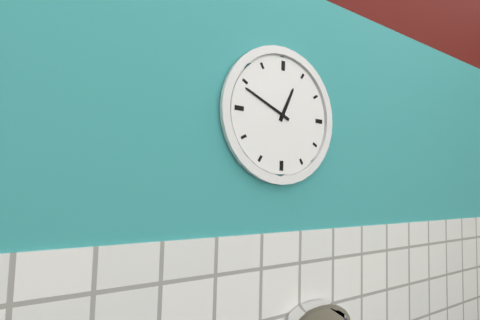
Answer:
h=12 m=49
